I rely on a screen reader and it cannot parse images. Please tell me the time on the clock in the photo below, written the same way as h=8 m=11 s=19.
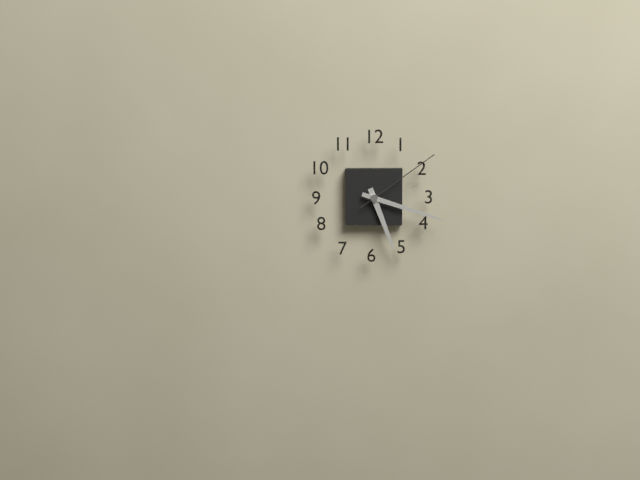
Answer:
h=5 m=18 s=9
